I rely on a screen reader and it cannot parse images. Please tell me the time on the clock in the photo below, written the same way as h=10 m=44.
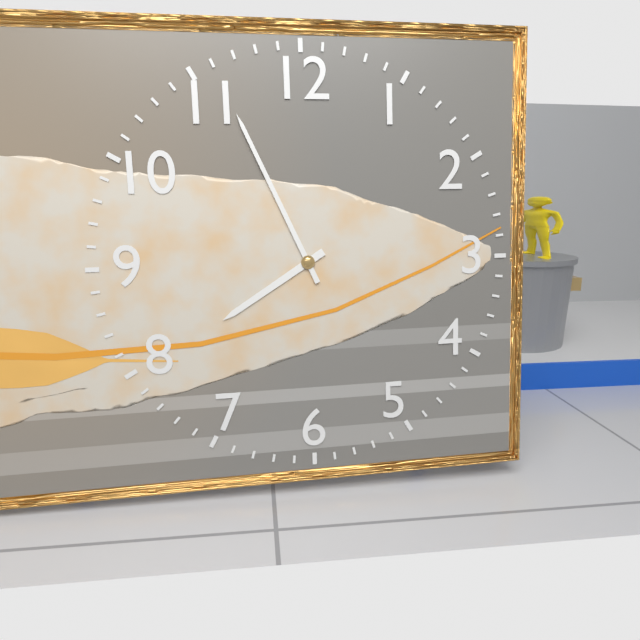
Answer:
h=7 m=56
